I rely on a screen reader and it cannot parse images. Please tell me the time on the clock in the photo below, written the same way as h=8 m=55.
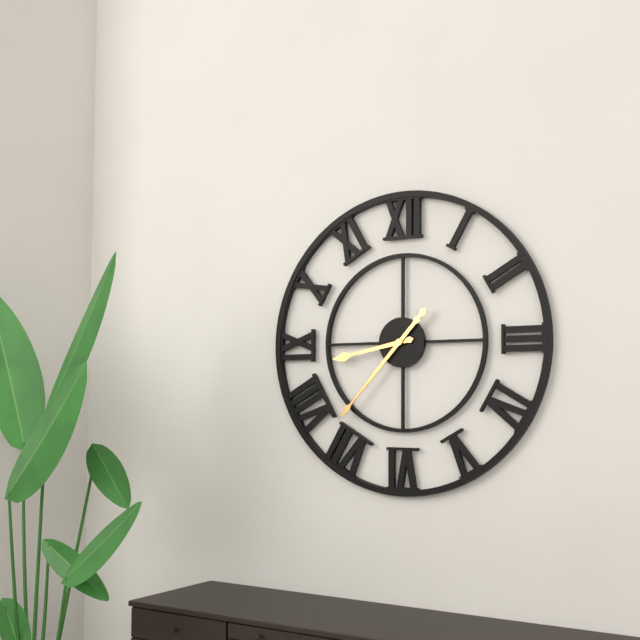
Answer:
h=8 m=37
